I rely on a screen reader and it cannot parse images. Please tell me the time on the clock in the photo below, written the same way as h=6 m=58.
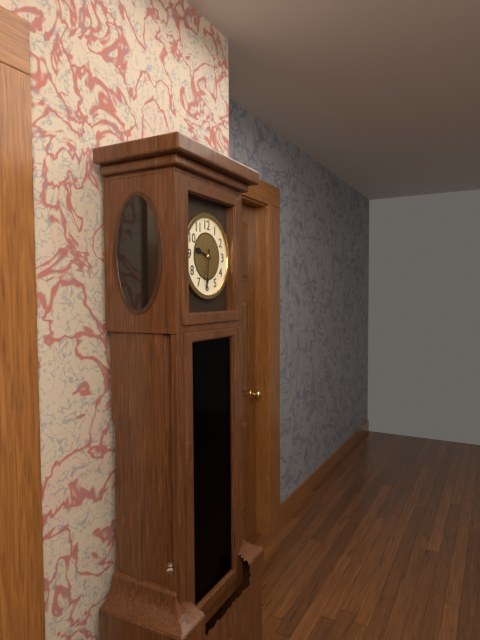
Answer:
h=9 m=31
